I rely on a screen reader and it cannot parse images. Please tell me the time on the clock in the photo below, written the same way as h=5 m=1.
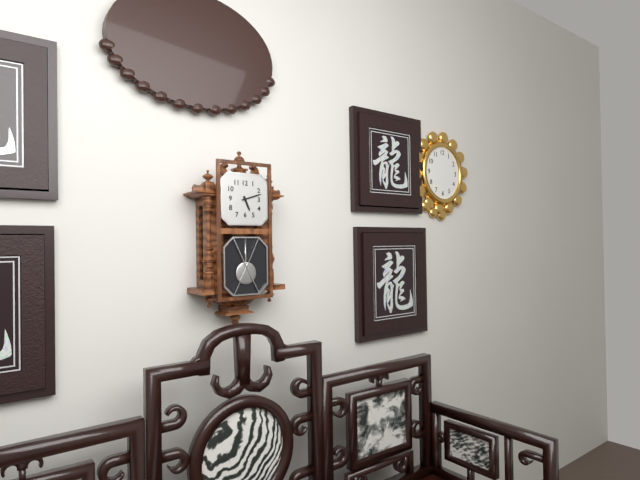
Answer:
h=5 m=12
